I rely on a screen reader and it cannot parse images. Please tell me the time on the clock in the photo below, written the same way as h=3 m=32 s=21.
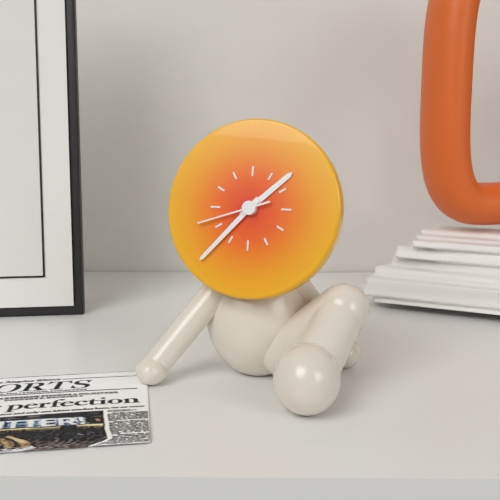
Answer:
h=1 m=37 s=42
